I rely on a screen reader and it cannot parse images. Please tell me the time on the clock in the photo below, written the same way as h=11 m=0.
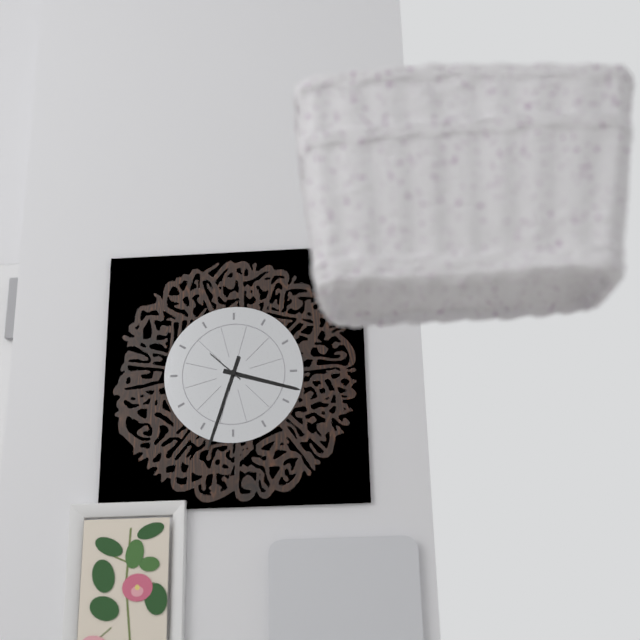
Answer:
h=3 m=33
